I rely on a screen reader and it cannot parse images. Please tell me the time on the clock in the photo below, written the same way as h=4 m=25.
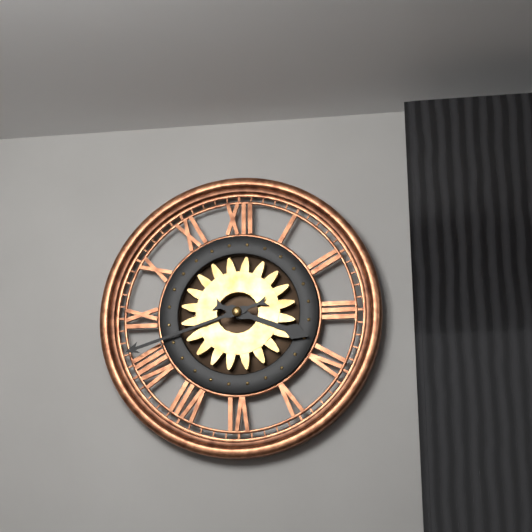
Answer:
h=3 m=42
